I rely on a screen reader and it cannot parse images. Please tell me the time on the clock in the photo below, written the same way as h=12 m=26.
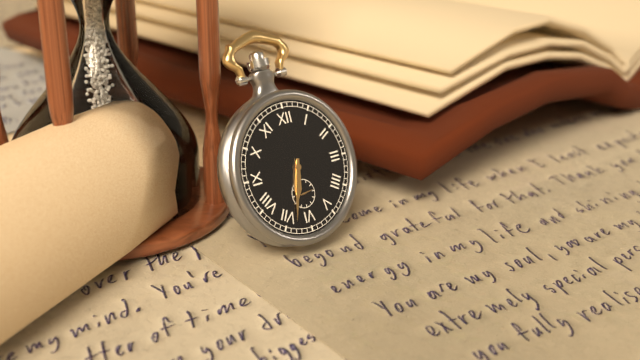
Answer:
h=6 m=33
